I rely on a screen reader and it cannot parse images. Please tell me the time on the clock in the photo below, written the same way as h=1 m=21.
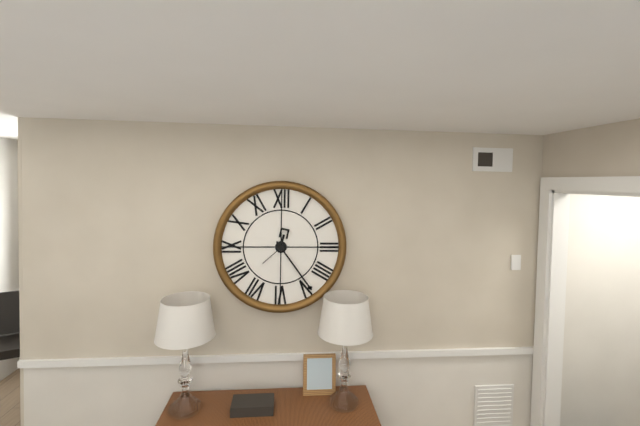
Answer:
h=12 m=24
